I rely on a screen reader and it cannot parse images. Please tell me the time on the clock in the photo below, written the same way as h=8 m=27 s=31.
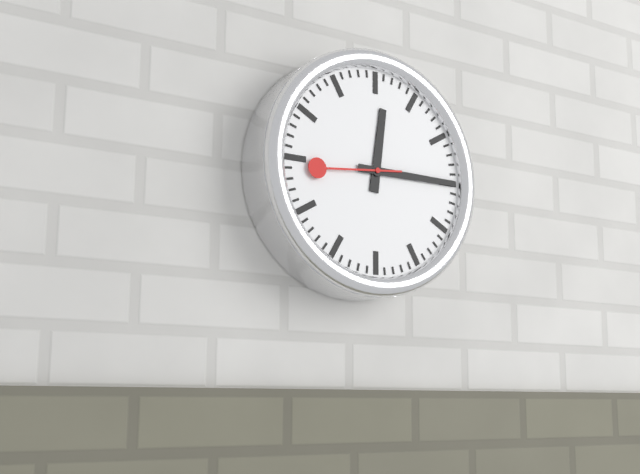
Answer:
h=12 m=15 s=44
